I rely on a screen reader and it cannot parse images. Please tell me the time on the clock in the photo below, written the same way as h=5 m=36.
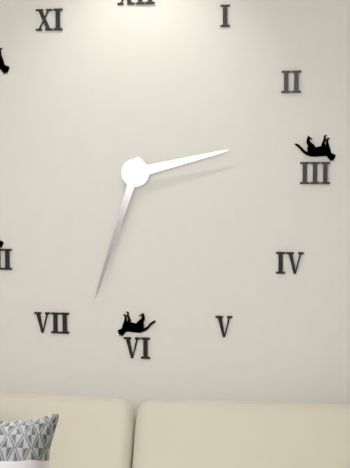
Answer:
h=2 m=33
